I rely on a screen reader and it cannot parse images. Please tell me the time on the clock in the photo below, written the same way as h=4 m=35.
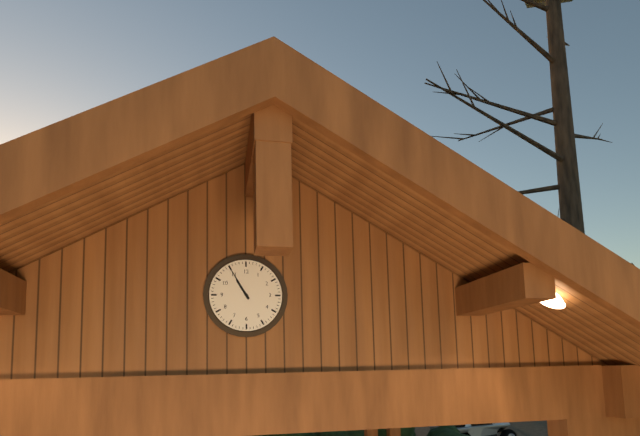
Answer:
h=10 m=55
